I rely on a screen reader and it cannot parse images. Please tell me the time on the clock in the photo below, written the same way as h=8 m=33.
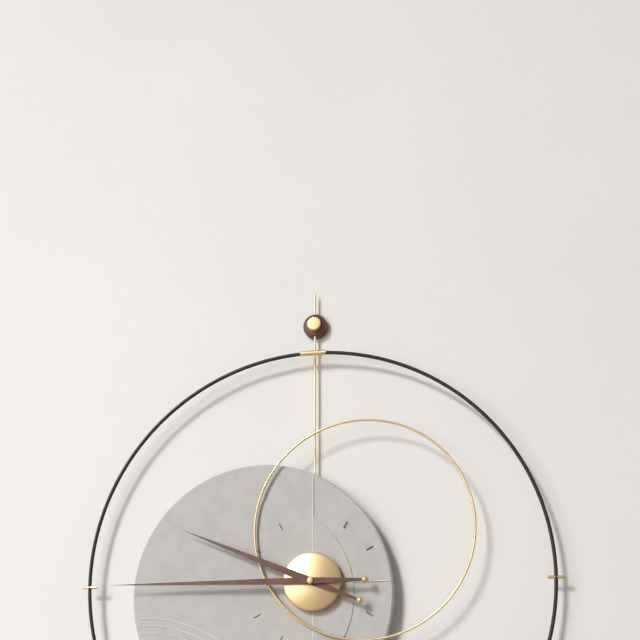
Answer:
h=9 m=45
